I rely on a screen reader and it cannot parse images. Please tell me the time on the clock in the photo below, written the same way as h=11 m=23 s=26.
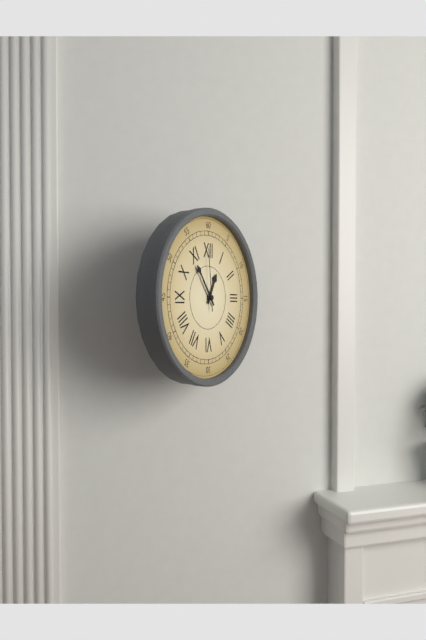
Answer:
h=12 m=54 s=59
